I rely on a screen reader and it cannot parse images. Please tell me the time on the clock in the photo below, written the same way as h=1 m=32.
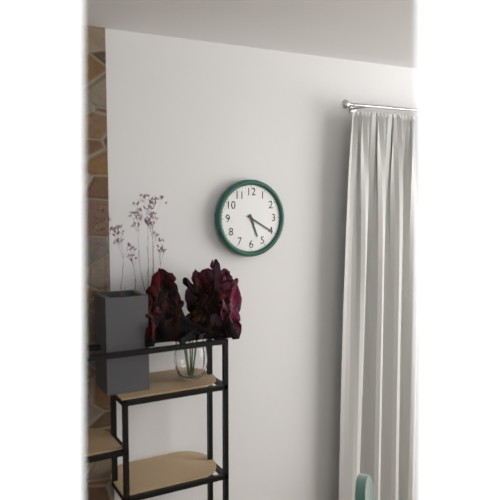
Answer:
h=5 m=20
